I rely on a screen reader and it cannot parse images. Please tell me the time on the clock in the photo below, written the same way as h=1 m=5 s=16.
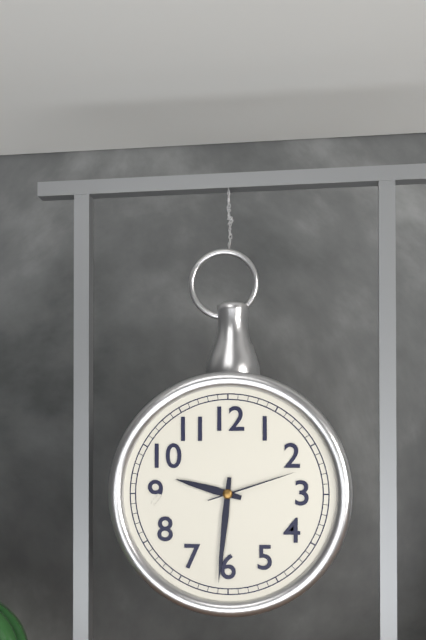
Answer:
h=9 m=31 s=12
